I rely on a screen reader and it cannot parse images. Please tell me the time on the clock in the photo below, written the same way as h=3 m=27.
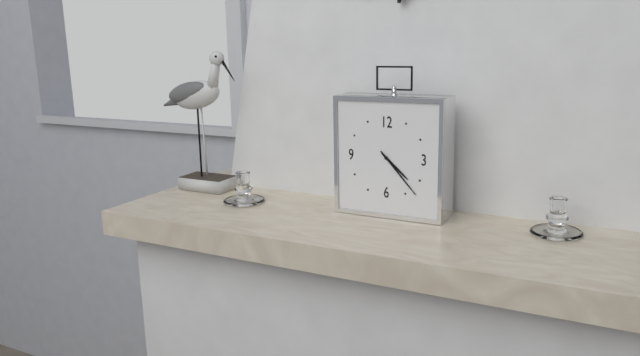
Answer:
h=4 m=23
